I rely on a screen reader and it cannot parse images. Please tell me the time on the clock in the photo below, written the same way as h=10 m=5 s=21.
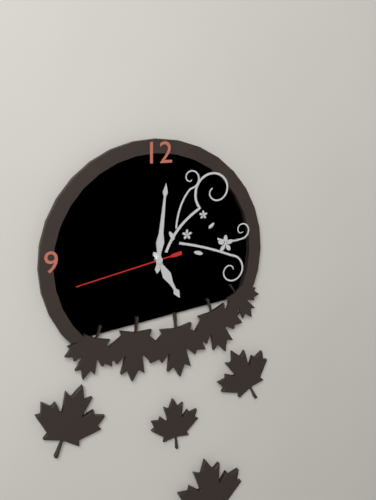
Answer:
h=5 m=1 s=43
